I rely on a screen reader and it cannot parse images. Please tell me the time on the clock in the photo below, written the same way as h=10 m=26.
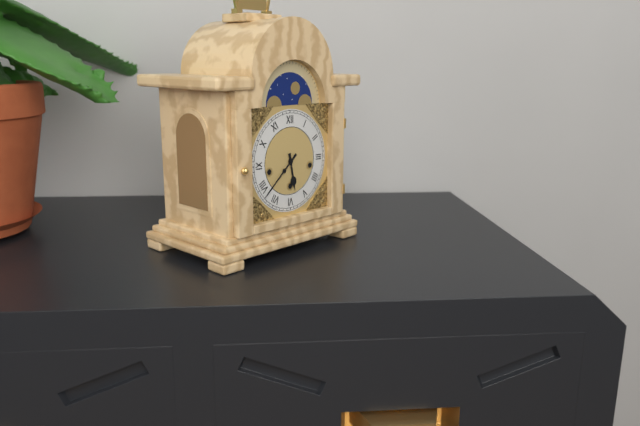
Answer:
h=5 m=38
